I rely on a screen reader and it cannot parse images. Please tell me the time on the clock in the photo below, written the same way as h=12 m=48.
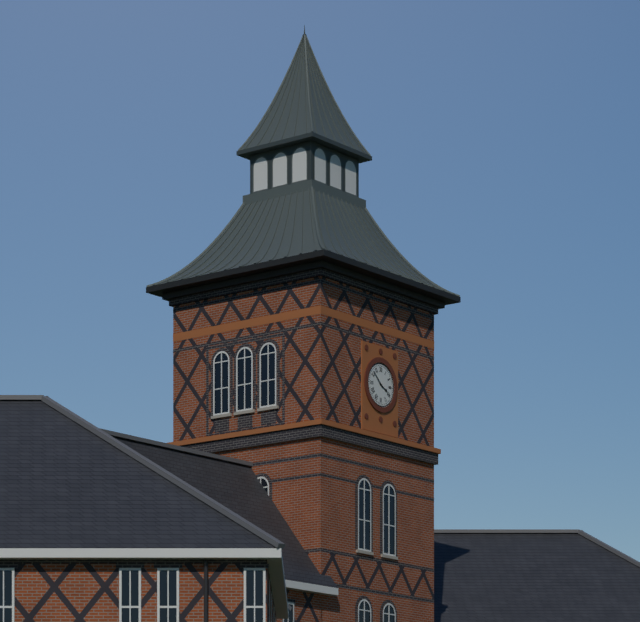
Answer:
h=3 m=52
